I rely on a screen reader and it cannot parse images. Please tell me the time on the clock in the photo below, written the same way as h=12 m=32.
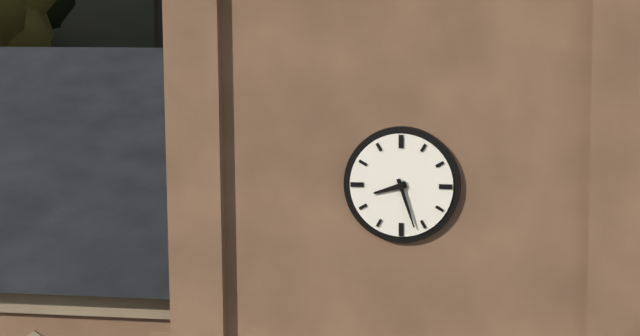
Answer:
h=8 m=27
